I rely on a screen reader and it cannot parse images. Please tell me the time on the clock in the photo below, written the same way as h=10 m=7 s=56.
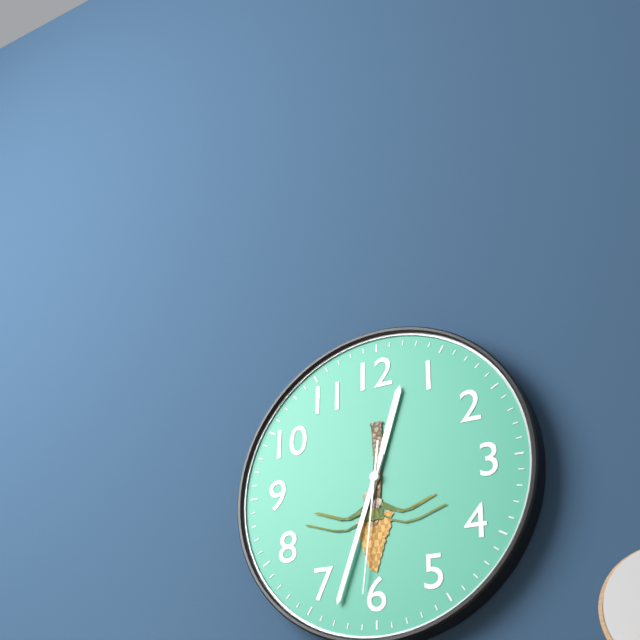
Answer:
h=12 m=33 s=31
